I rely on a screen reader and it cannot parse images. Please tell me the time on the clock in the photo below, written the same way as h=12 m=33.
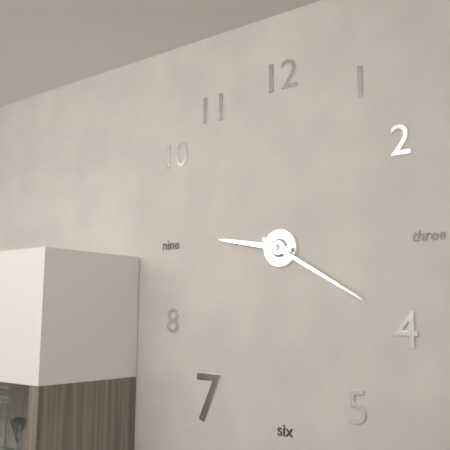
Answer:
h=9 m=20
